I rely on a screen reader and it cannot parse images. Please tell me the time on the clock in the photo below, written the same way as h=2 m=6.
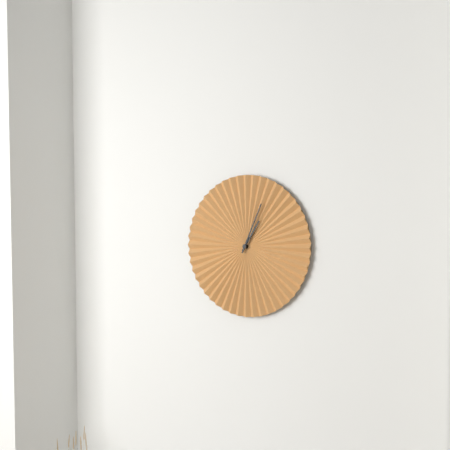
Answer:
h=1 m=4
